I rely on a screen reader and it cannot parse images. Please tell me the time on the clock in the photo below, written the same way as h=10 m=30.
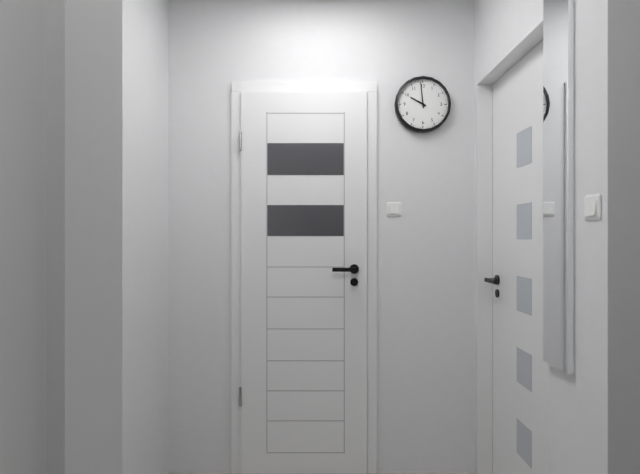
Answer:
h=9 m=59
